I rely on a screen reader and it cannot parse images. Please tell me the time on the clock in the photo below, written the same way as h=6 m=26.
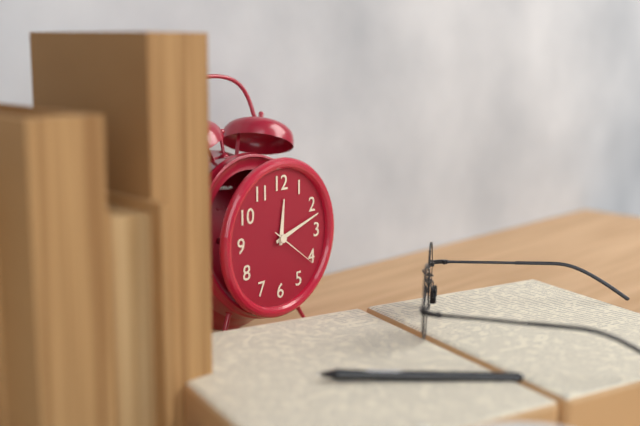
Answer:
h=12 m=12
